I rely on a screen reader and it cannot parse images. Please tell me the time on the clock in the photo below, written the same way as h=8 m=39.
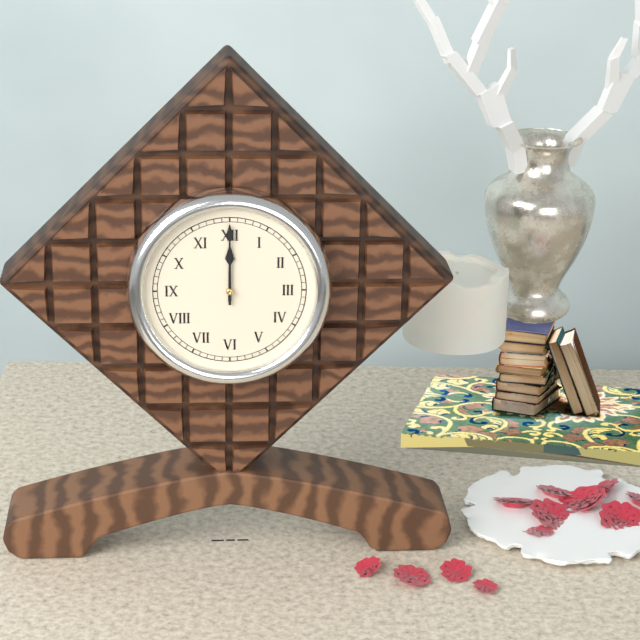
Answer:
h=12 m=0
